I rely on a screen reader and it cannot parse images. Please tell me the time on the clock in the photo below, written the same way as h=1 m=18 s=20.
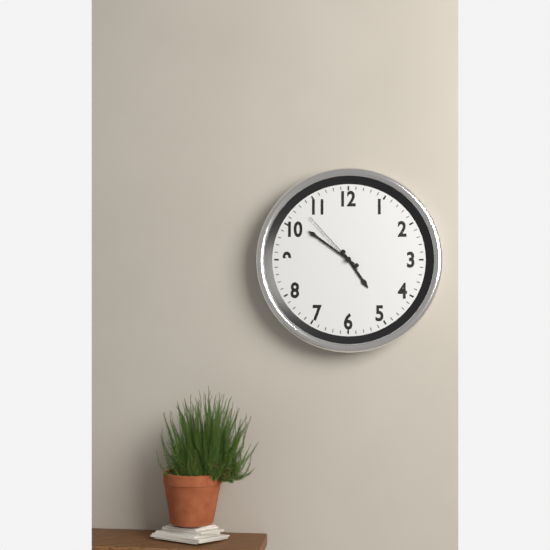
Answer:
h=4 m=51 s=53
